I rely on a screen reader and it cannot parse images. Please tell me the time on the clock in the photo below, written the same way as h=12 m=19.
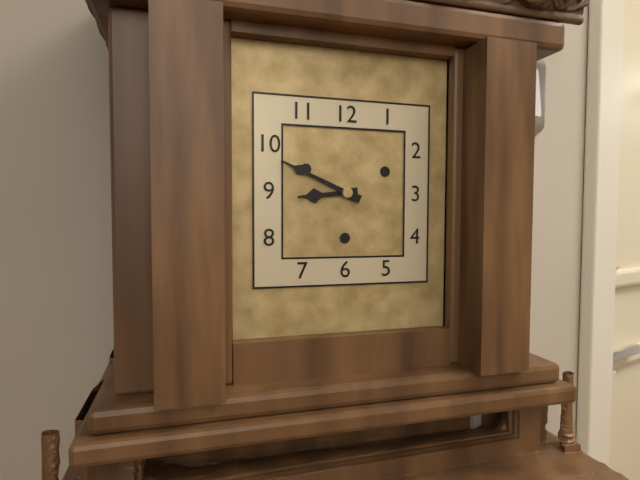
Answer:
h=8 m=49
